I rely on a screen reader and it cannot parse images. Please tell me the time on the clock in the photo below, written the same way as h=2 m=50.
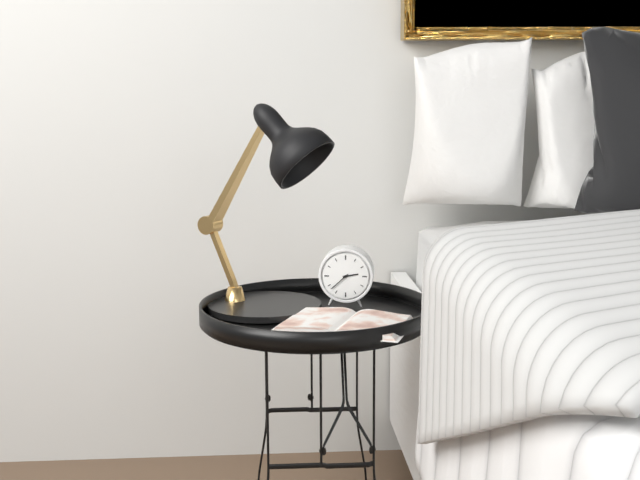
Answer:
h=2 m=38
